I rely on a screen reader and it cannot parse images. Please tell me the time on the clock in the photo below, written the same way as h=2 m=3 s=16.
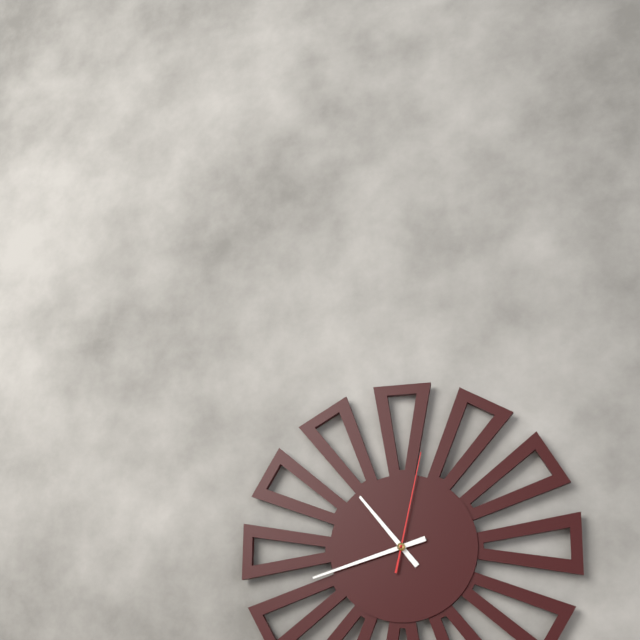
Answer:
h=10 m=42 s=2
